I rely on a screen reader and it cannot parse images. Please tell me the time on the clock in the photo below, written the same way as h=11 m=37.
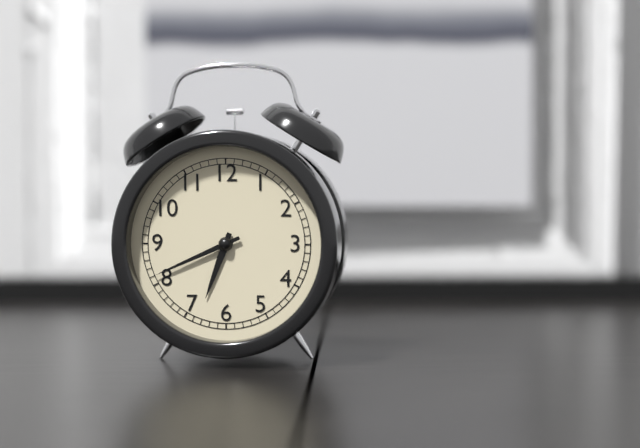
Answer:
h=6 m=41
